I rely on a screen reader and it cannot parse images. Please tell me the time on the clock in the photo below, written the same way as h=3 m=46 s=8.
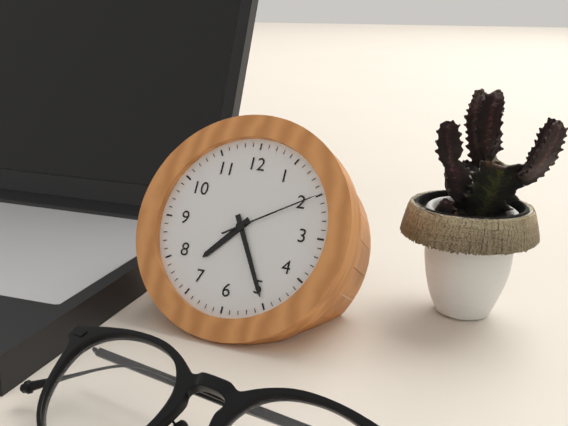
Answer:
h=7 m=25 s=10
